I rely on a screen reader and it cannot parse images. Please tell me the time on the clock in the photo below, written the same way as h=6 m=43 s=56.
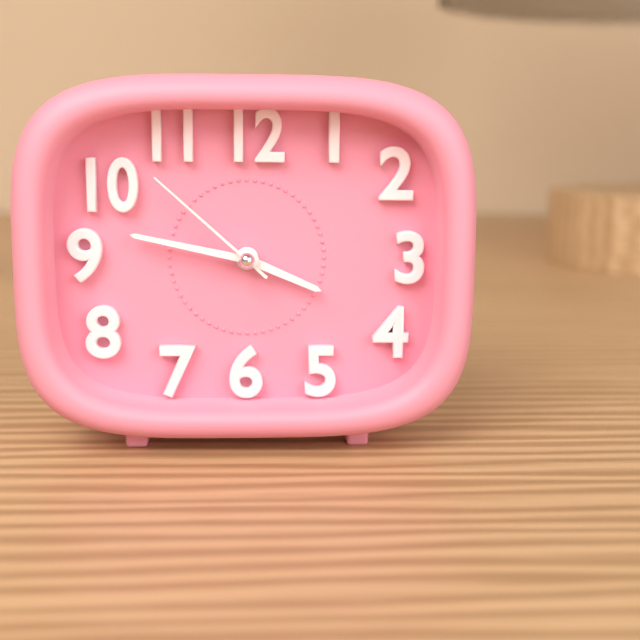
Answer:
h=3 m=47 s=52
